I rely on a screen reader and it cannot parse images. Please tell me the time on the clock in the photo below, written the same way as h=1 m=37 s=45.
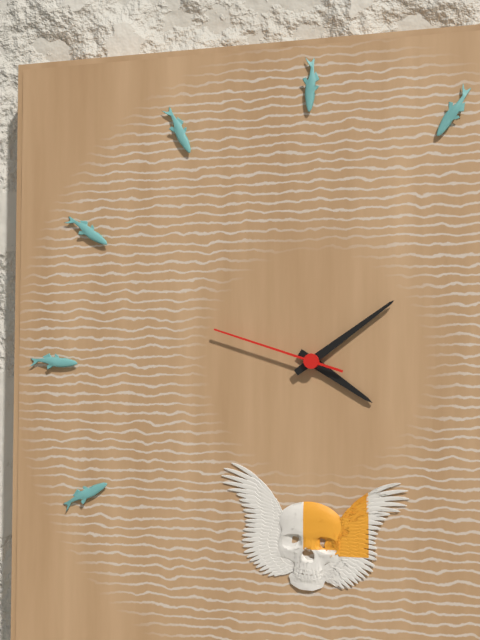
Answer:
h=4 m=9 s=48
